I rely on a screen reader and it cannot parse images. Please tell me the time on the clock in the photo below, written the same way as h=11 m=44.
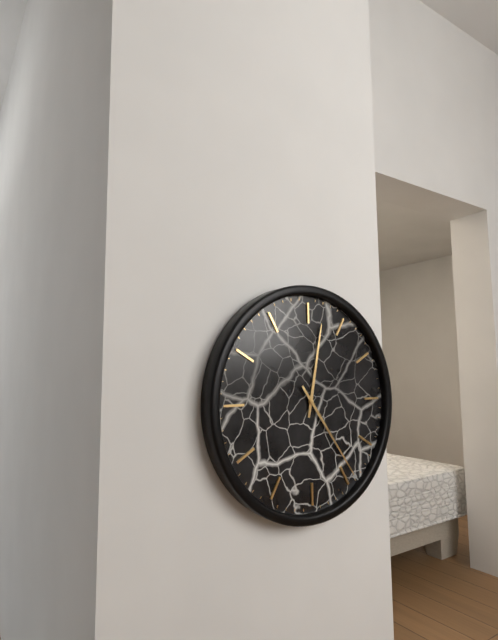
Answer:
h=12 m=24
